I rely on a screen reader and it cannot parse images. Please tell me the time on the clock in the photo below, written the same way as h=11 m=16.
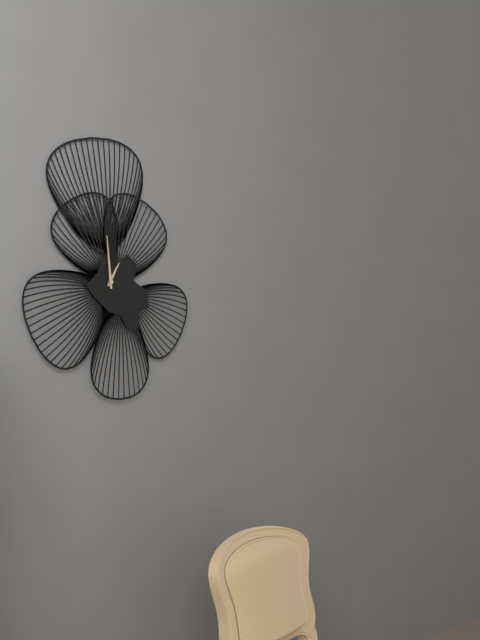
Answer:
h=12 m=59
